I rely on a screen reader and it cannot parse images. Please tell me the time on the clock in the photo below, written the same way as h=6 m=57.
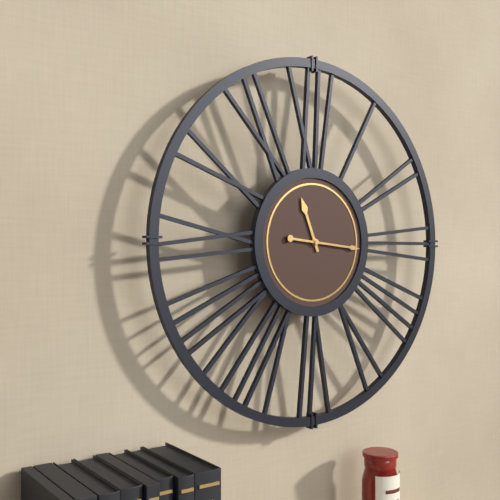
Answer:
h=11 m=16
